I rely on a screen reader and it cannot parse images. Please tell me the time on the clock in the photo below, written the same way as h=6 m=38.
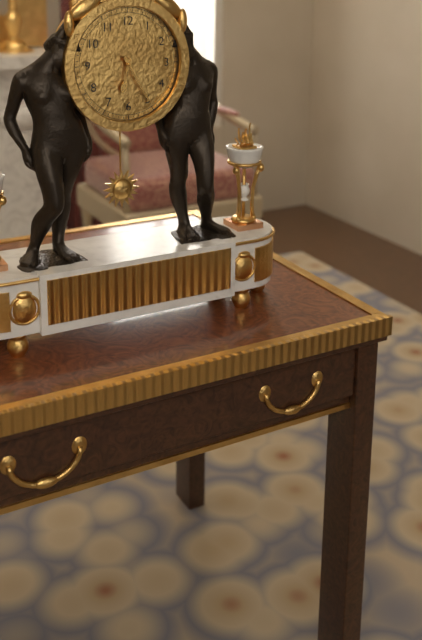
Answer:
h=6 m=25
